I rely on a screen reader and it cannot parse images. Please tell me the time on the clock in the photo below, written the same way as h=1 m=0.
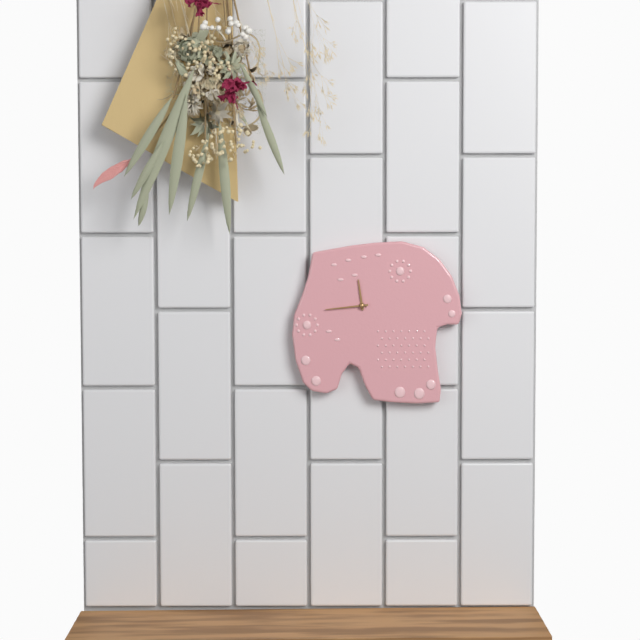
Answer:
h=11 m=44
